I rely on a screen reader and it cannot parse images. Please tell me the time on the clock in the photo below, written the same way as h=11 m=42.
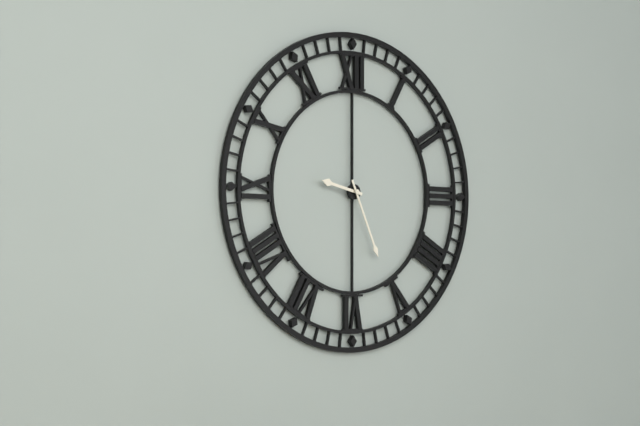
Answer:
h=9 m=26
